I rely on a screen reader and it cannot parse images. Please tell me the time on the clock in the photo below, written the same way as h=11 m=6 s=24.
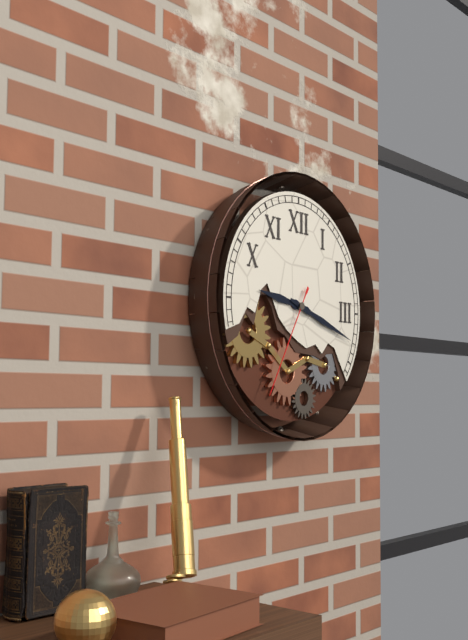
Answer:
h=9 m=18 s=35
